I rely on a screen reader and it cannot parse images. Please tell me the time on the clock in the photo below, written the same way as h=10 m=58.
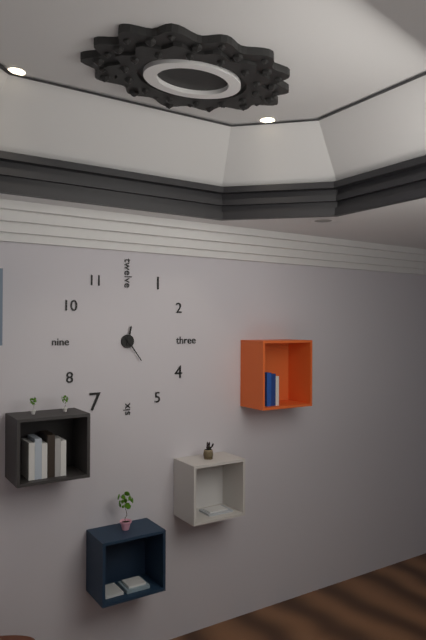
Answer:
h=12 m=24
